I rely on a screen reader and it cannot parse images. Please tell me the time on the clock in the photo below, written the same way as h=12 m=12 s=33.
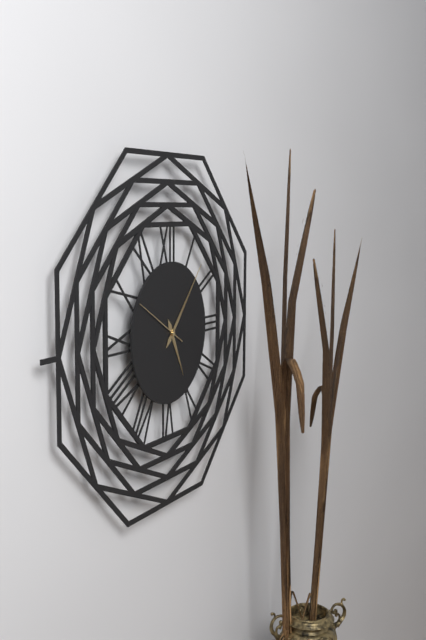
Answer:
h=5 m=7 s=50
